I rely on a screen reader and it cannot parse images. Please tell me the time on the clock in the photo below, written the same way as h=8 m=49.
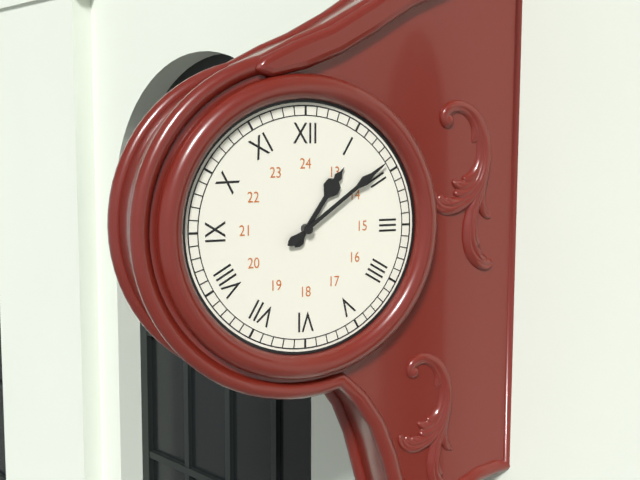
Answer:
h=1 m=9
